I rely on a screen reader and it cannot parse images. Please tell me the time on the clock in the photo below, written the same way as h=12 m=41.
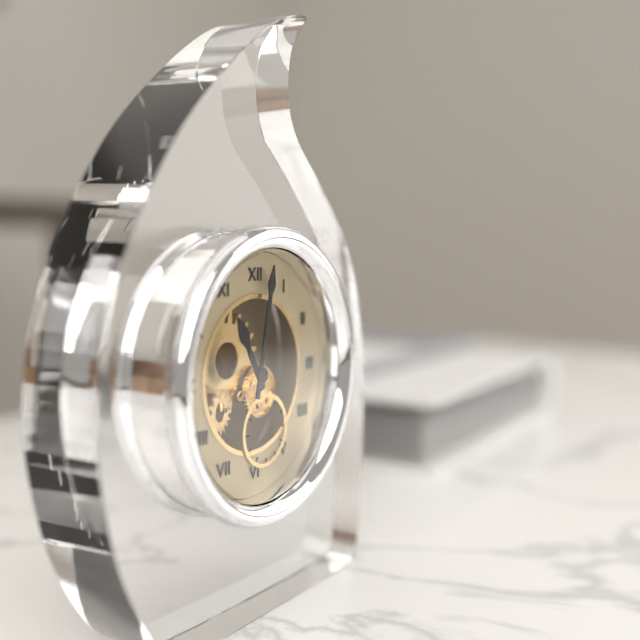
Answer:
h=11 m=2
